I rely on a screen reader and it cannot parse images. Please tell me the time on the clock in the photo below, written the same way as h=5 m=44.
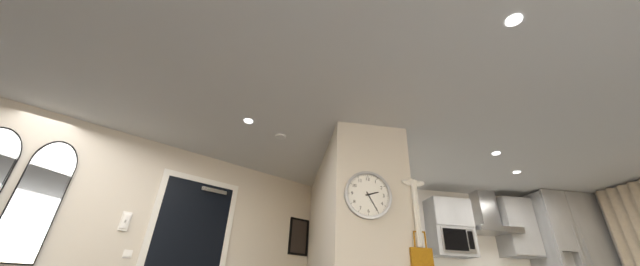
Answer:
h=2 m=25
